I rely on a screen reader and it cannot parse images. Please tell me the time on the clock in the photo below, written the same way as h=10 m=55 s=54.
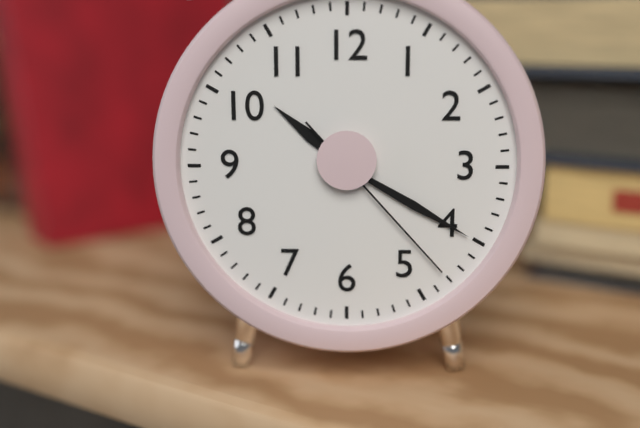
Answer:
h=10 m=20 s=23
